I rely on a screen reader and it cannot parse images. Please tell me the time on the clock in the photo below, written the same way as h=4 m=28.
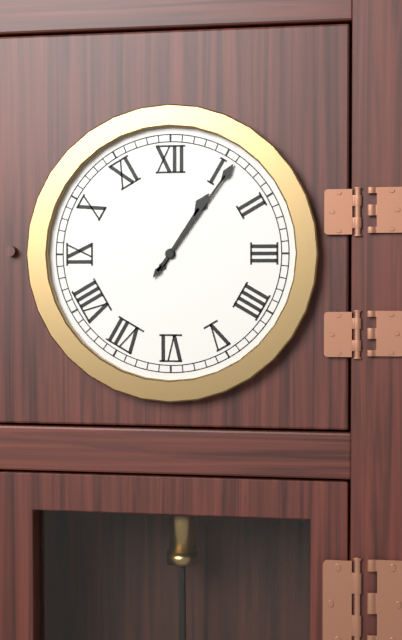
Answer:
h=1 m=6
